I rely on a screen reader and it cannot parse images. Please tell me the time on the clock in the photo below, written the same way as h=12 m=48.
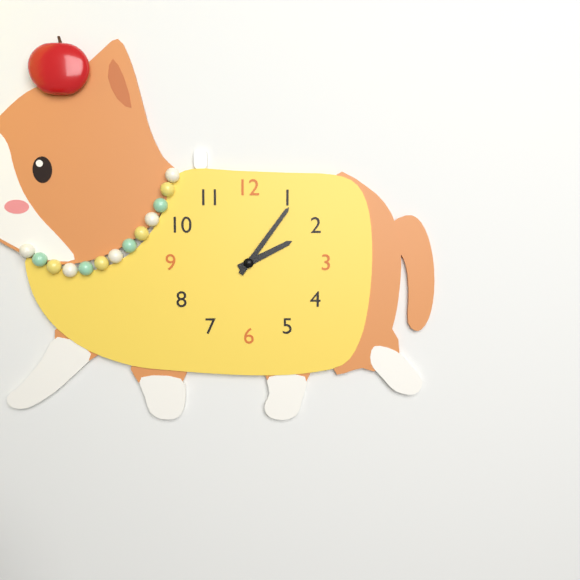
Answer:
h=2 m=6
